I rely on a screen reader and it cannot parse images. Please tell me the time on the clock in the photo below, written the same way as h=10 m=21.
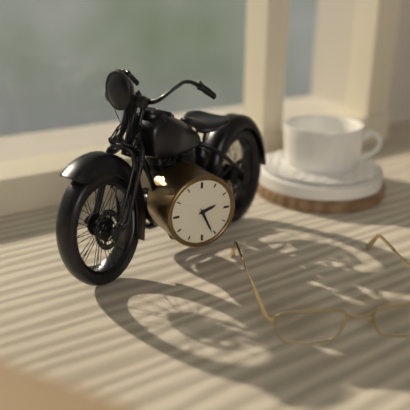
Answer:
h=2 m=26
